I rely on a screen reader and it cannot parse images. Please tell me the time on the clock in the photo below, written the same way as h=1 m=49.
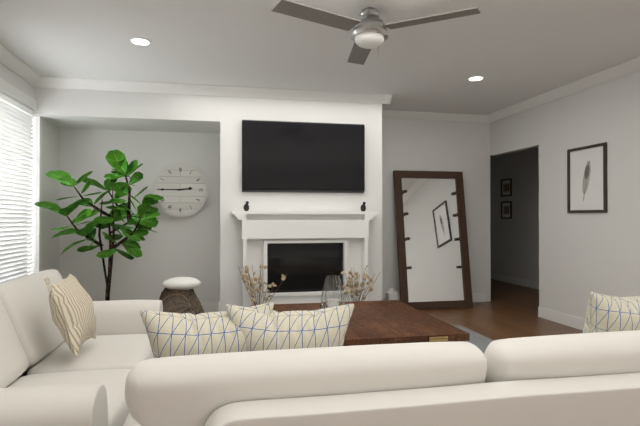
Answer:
h=2 m=45
